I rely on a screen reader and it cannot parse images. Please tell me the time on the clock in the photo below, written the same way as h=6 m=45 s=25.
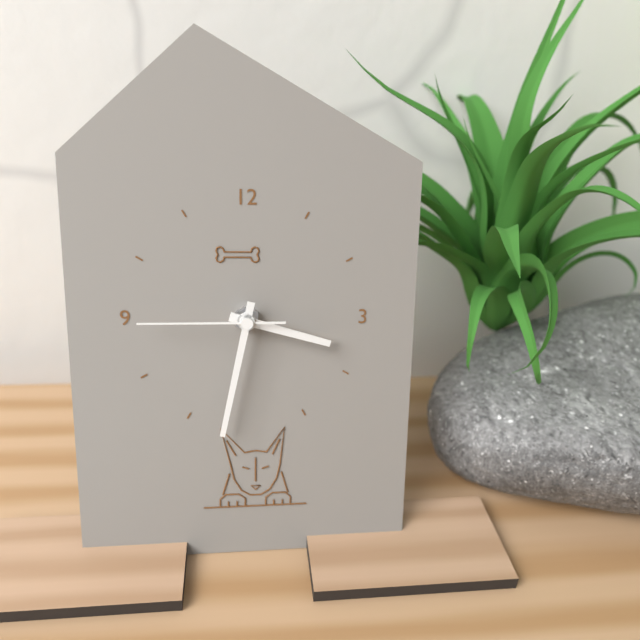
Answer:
h=3 m=32 s=45
